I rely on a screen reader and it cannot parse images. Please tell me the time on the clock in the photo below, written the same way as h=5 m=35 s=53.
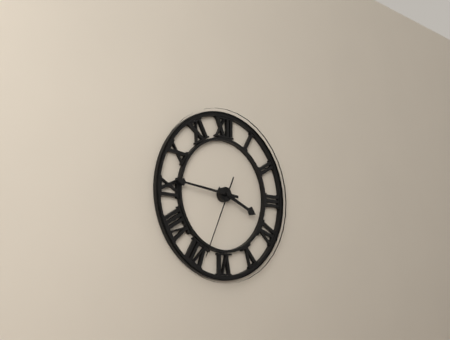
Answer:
h=3 m=46 s=34
